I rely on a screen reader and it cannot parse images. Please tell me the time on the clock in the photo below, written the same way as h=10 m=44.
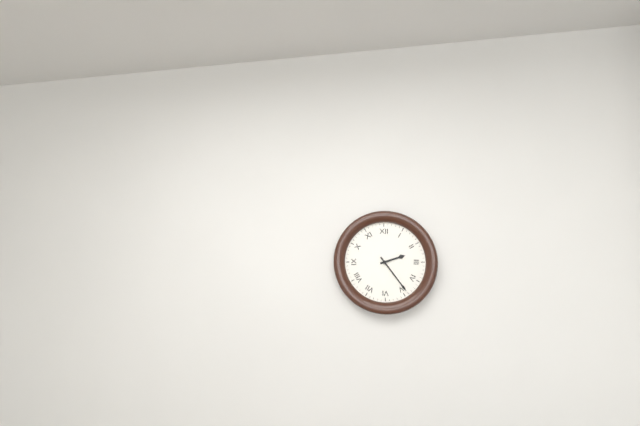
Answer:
h=2 m=24
